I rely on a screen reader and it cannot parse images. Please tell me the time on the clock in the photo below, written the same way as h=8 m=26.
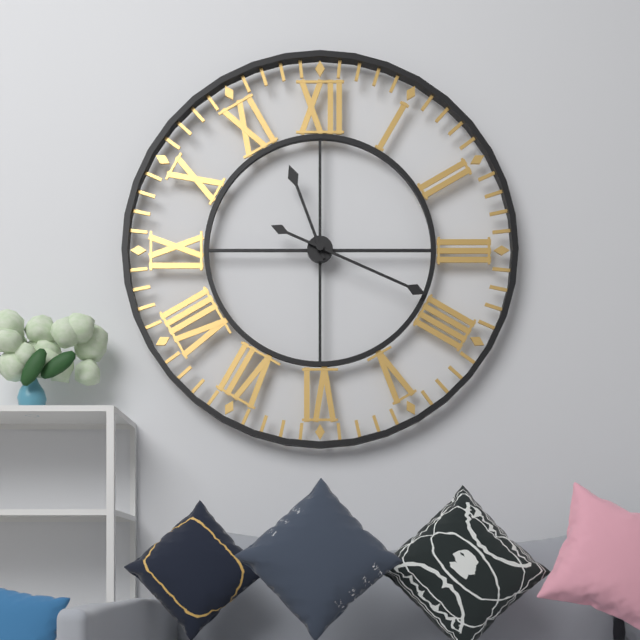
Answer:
h=11 m=19
